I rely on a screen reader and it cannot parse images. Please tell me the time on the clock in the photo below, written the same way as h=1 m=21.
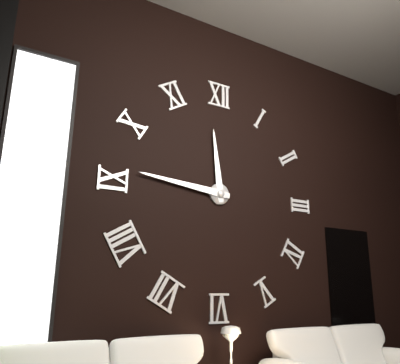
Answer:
h=11 m=46
